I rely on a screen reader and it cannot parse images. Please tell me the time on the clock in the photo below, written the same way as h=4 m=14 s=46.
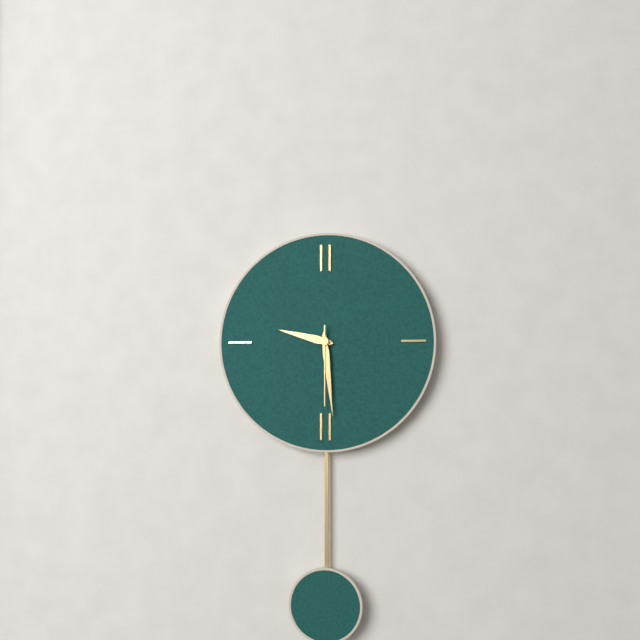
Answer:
h=9 m=29 s=30
